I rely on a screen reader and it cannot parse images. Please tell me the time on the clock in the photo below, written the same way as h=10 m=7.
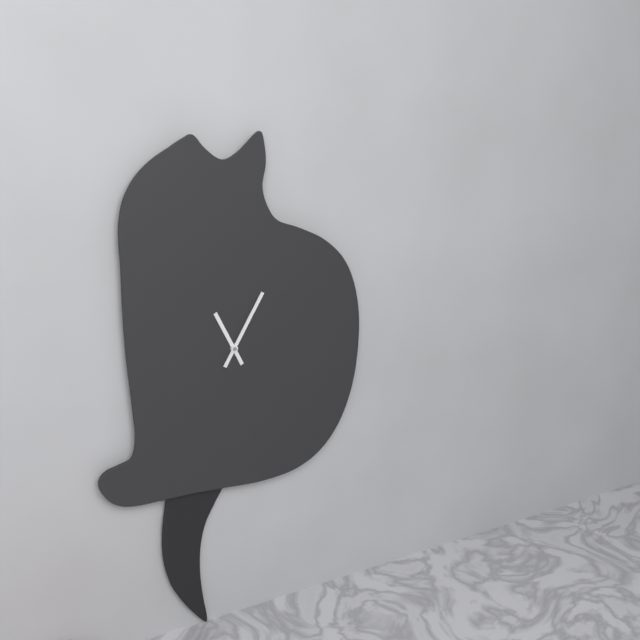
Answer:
h=11 m=5
